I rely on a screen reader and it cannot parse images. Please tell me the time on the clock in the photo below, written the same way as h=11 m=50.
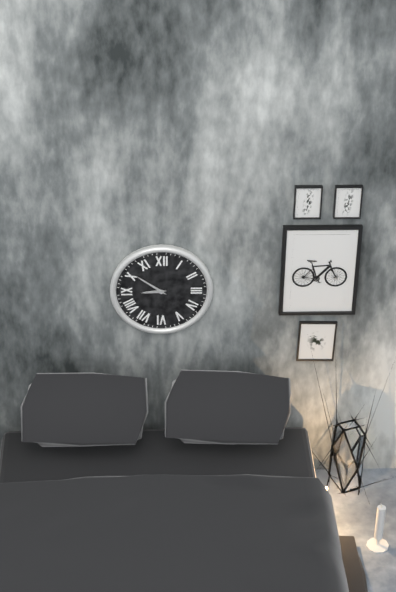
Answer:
h=8 m=51
